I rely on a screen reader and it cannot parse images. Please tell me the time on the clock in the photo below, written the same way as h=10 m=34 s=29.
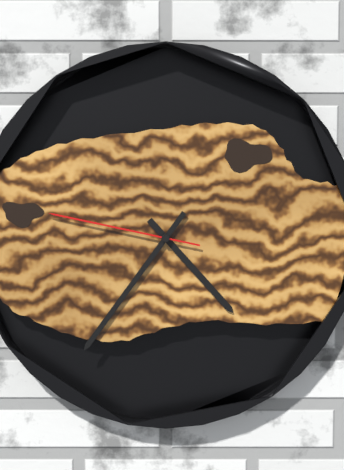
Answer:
h=4 m=36 s=47
